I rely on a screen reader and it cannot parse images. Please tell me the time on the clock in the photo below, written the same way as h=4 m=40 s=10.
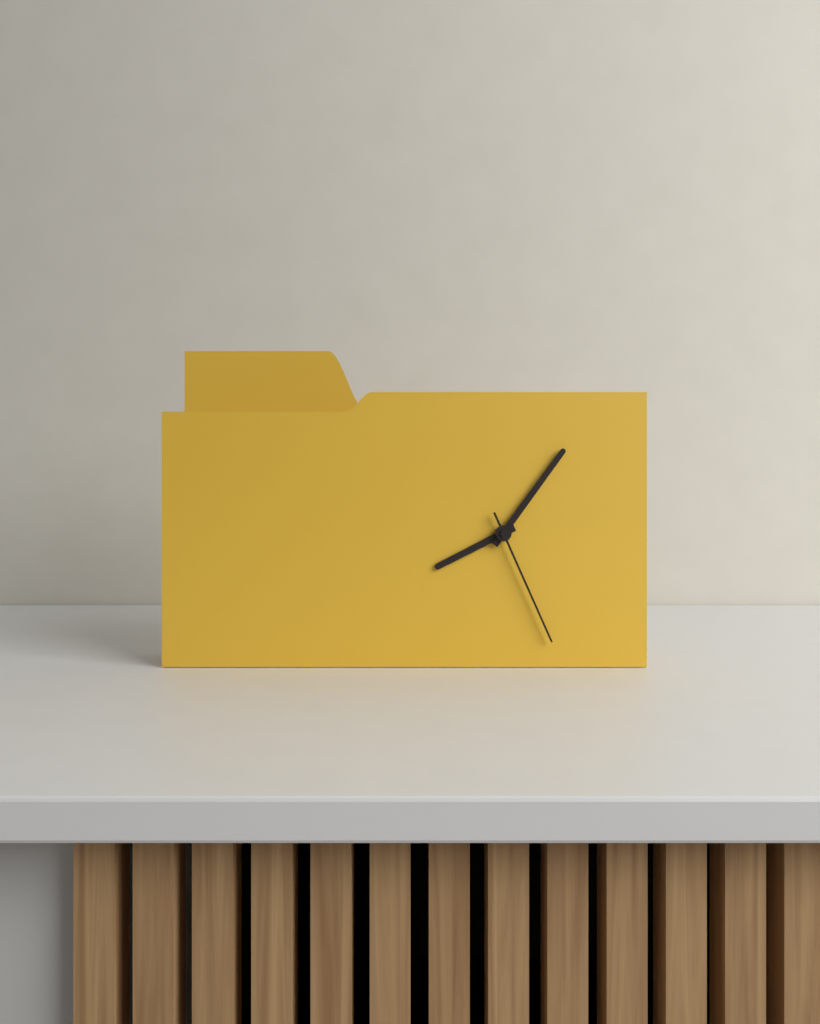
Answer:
h=8 m=6 s=26
